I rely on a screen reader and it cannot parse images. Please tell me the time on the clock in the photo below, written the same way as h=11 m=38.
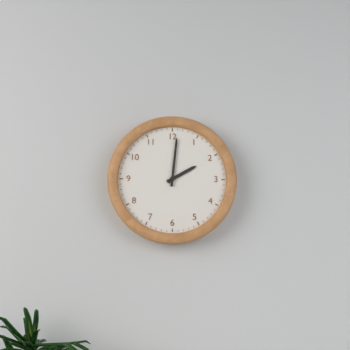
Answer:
h=2 m=1
